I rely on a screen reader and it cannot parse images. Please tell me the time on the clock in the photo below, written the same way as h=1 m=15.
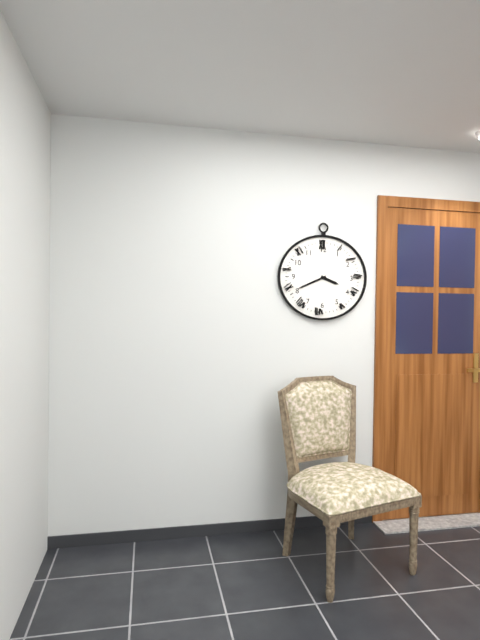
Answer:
h=3 m=41
